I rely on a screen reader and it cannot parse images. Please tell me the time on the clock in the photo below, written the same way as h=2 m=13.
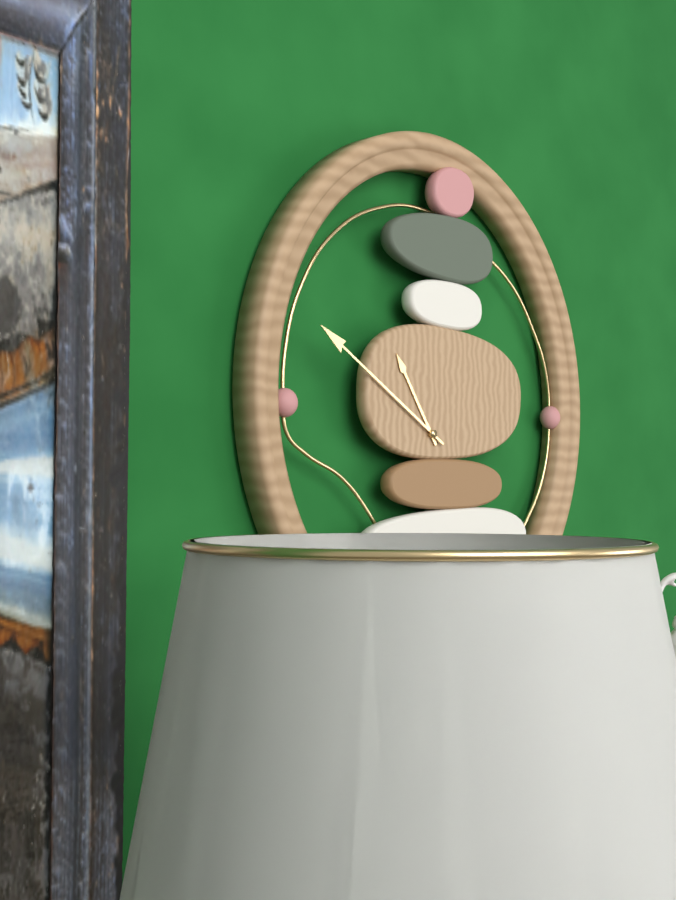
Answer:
h=10 m=50
